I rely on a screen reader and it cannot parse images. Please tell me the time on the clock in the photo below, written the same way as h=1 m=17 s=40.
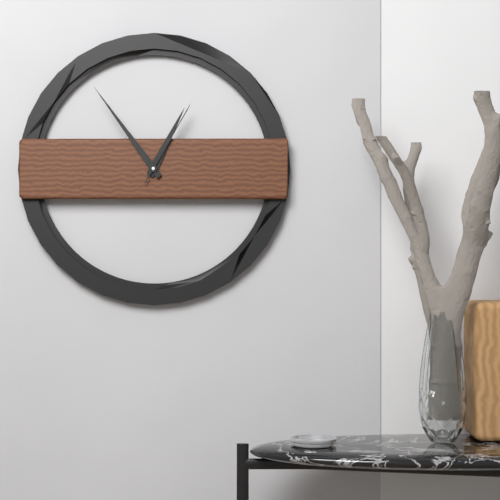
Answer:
h=12 m=54 s=5
